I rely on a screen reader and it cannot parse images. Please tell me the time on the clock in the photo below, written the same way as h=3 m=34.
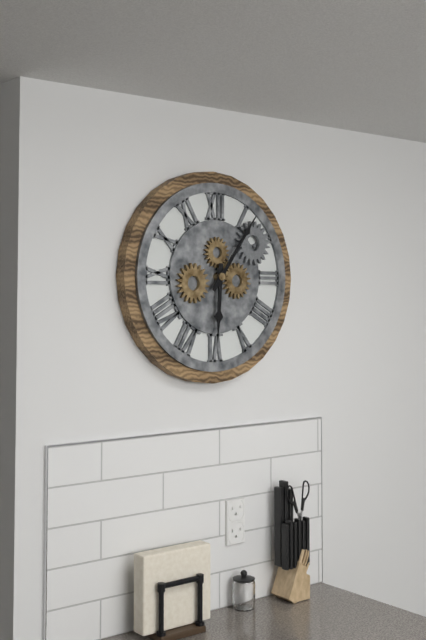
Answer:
h=6 m=6
